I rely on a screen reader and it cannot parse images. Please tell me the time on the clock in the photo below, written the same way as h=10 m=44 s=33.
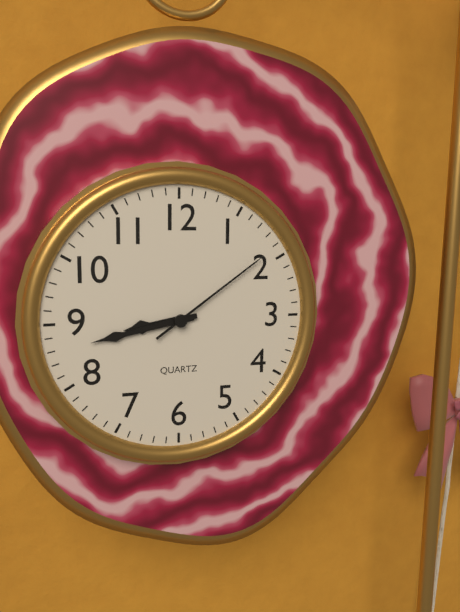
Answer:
h=8 m=43 s=9
